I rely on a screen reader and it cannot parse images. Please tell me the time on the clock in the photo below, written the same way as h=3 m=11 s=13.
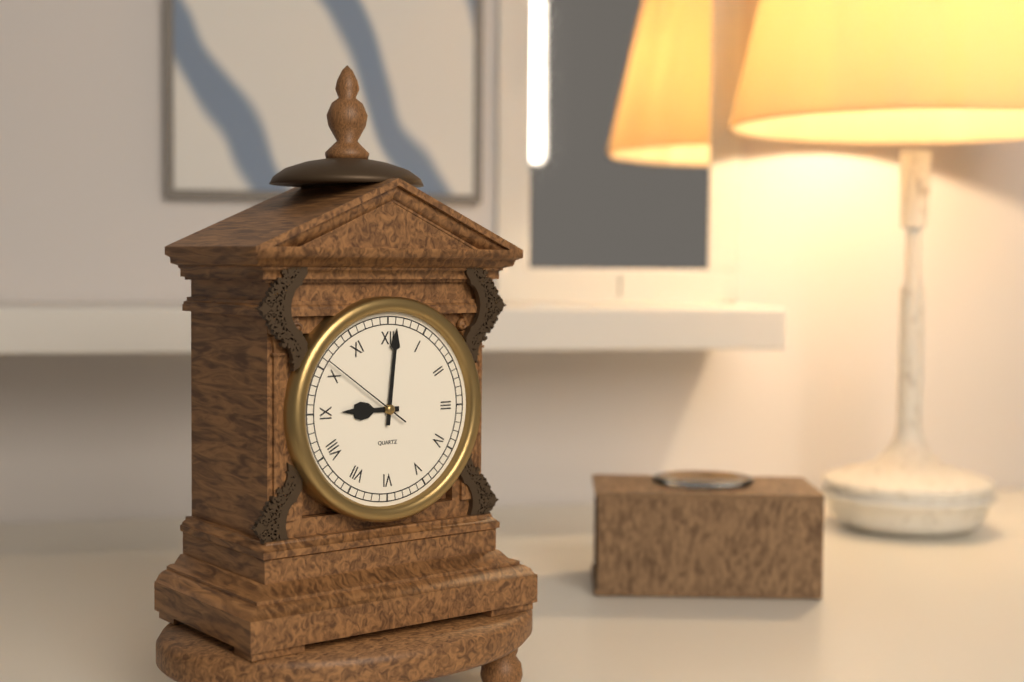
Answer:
h=9 m=1 s=51
